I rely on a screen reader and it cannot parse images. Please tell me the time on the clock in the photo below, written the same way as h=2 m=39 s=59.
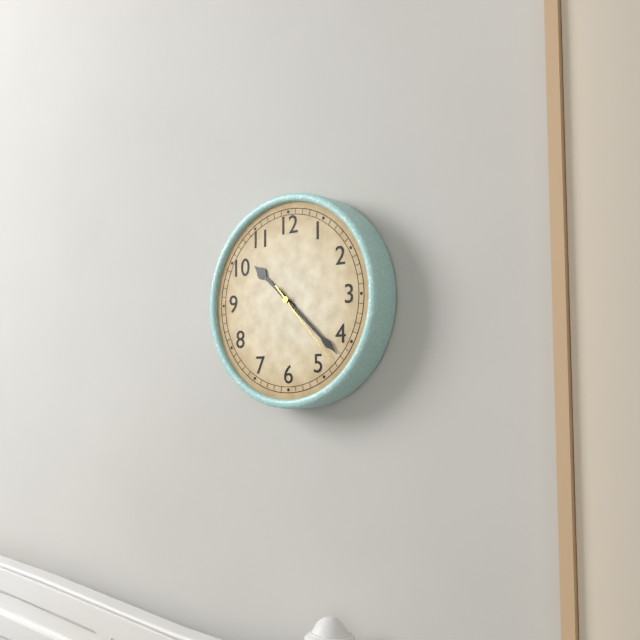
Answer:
h=10 m=22 s=23
